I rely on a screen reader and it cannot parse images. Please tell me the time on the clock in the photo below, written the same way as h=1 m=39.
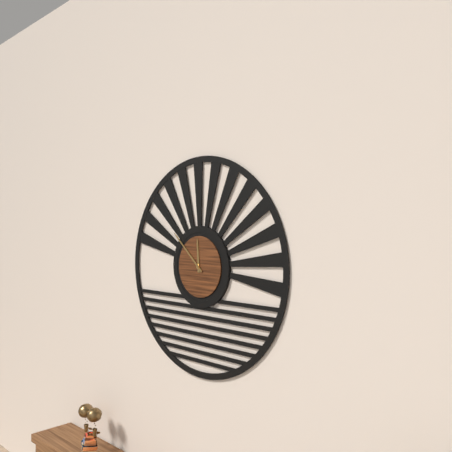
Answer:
h=11 m=52
